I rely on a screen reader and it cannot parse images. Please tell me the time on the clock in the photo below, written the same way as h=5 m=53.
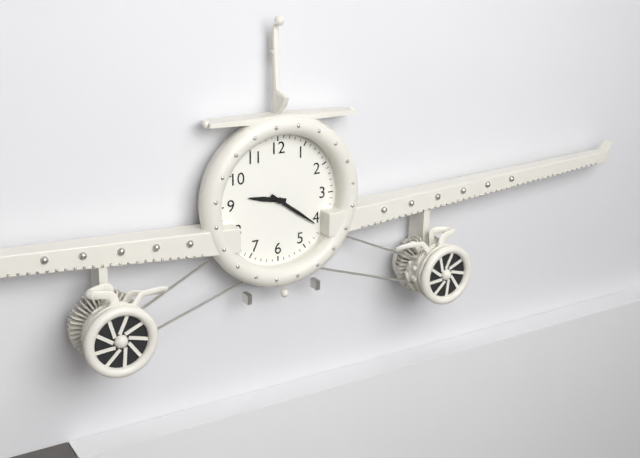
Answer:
h=9 m=21
